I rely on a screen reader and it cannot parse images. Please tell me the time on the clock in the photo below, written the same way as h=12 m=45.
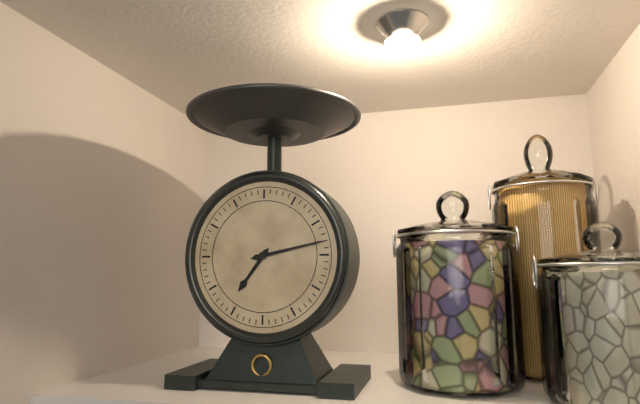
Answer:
h=7 m=13
